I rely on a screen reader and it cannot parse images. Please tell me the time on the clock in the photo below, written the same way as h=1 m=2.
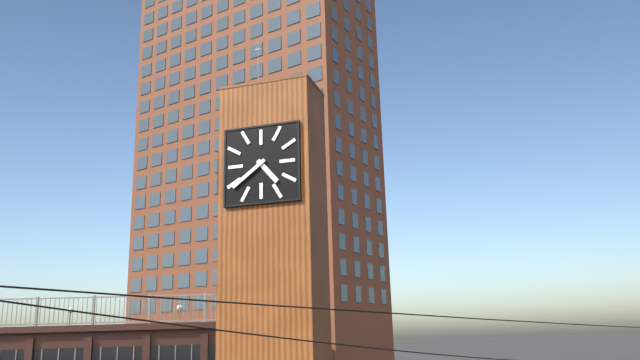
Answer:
h=4 m=39
